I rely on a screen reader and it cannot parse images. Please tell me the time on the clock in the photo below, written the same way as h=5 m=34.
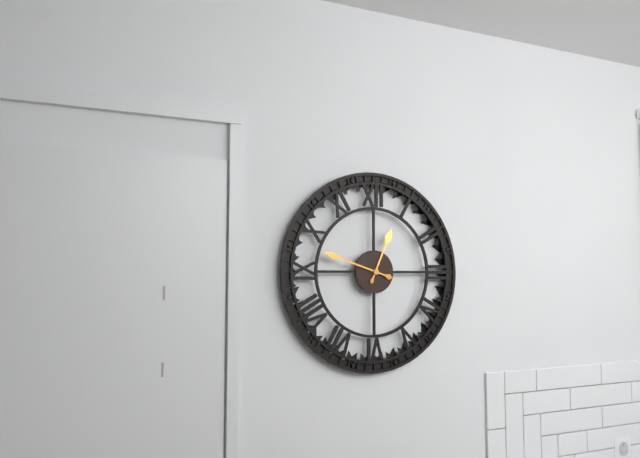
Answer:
h=12 m=48
